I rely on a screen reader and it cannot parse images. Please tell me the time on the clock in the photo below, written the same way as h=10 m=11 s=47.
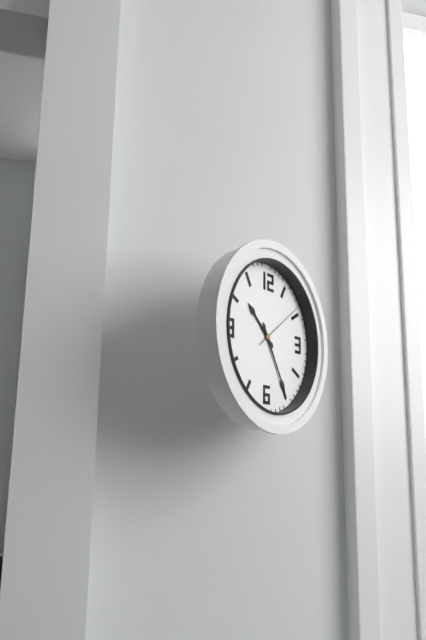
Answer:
h=10 m=25 s=9
